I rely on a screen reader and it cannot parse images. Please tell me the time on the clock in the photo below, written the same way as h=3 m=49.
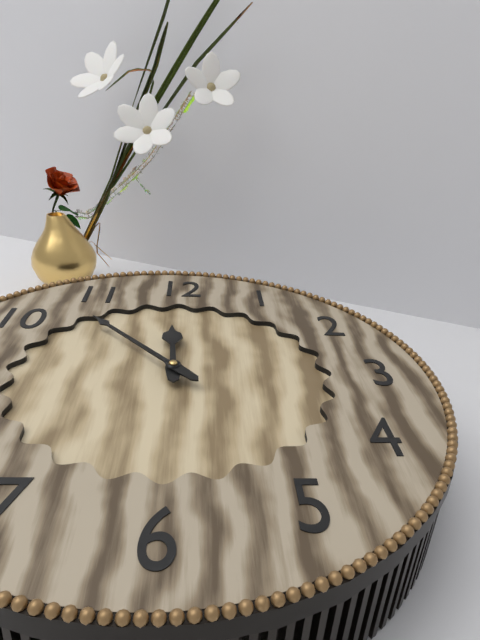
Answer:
h=11 m=53
